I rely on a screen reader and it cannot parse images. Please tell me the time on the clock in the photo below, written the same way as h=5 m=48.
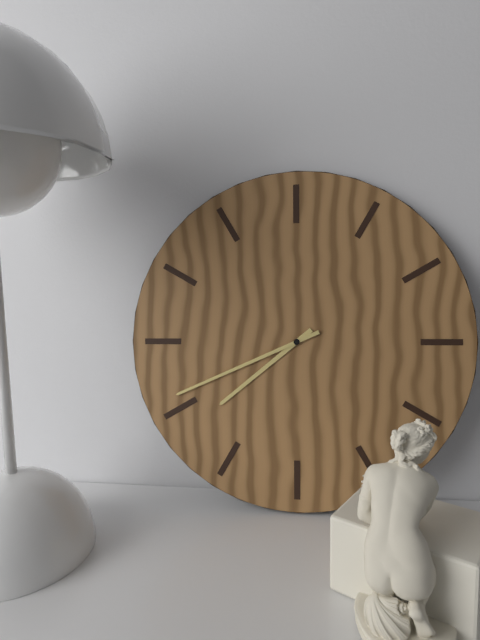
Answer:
h=7 m=41
